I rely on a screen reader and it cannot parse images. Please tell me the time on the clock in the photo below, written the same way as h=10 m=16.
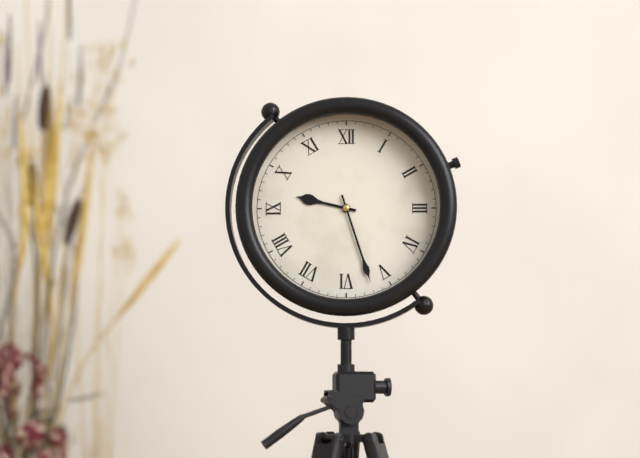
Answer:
h=9 m=27
